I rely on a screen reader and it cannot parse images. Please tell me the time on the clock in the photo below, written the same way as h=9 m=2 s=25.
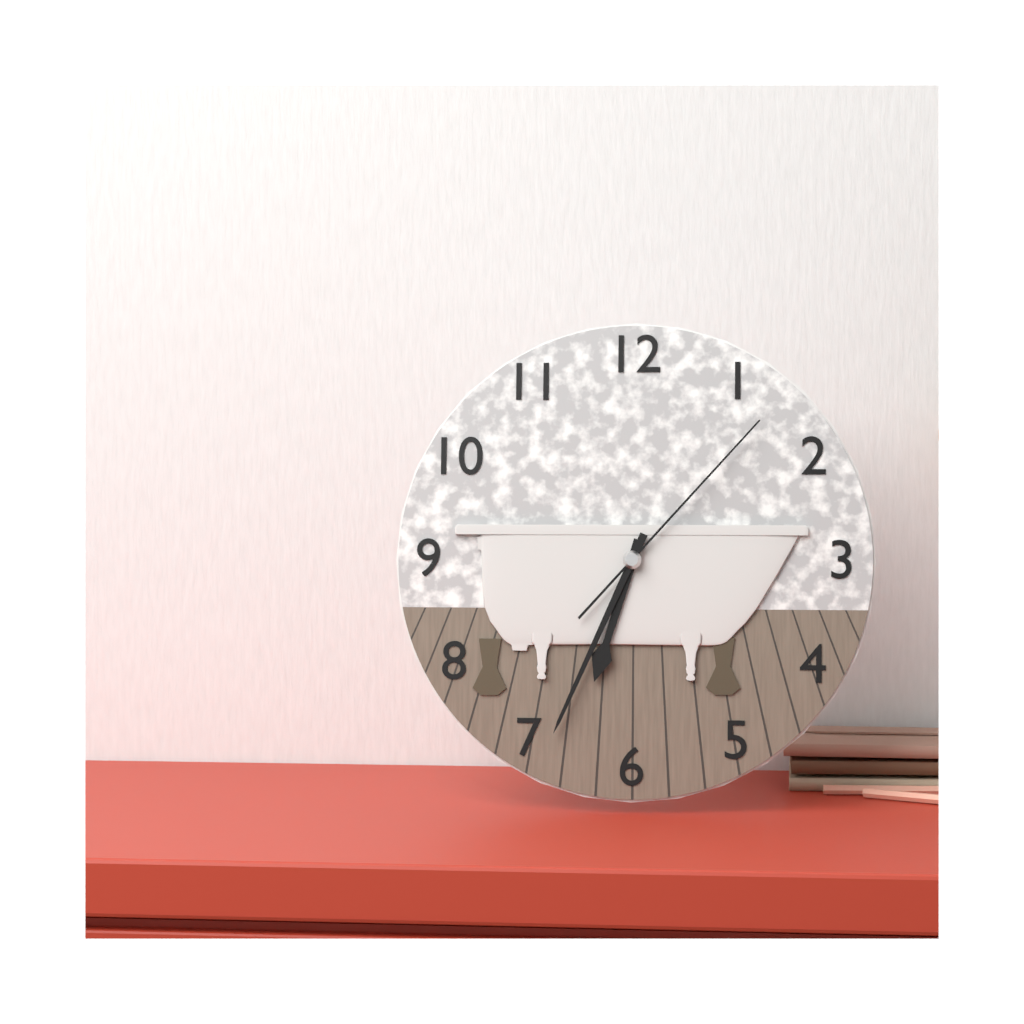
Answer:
h=6 m=34 s=7
